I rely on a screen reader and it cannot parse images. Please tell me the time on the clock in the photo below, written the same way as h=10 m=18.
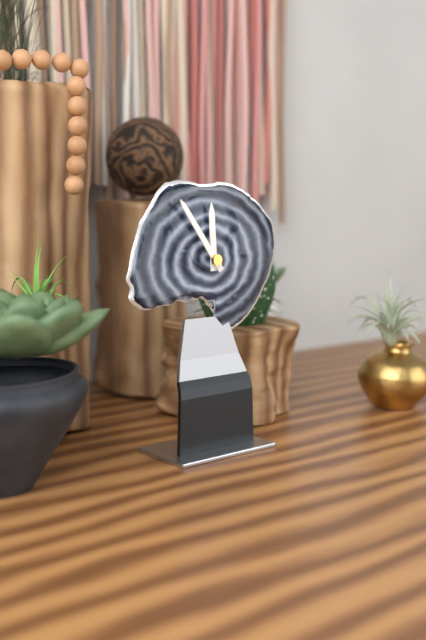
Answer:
h=11 m=54
